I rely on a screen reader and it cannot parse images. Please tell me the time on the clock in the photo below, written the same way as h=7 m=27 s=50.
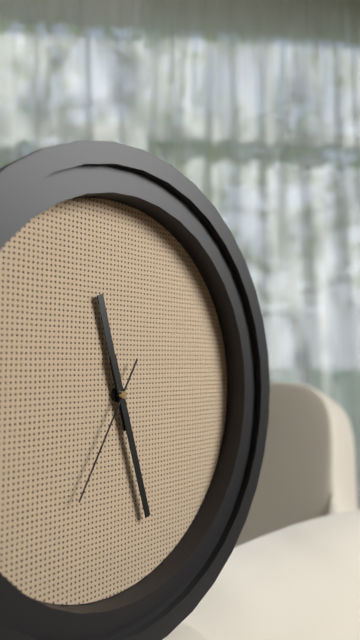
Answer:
h=11 m=27 s=35
